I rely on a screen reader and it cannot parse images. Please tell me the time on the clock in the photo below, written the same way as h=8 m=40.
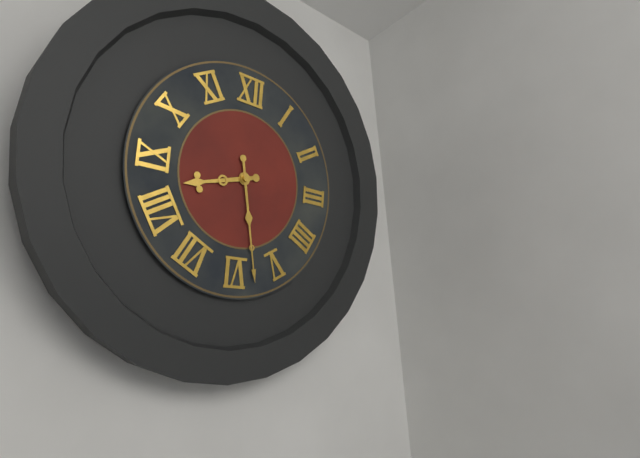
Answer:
h=8 m=28
